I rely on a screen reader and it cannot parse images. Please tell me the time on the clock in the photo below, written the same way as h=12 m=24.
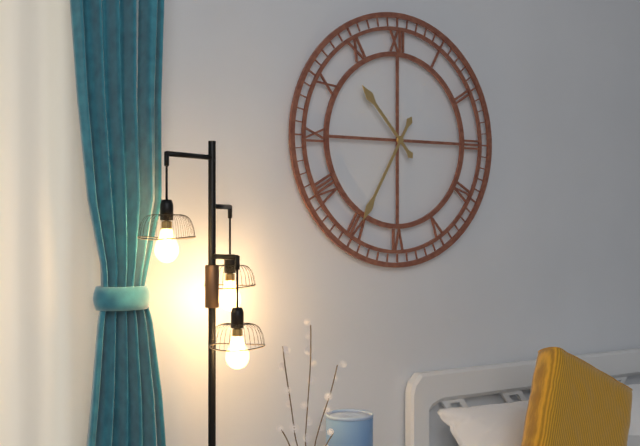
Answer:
h=10 m=35
